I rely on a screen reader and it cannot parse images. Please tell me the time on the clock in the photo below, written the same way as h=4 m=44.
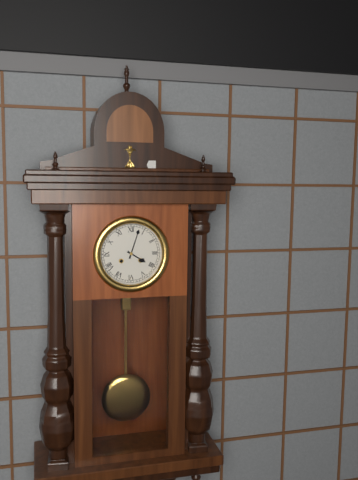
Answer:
h=4 m=3
